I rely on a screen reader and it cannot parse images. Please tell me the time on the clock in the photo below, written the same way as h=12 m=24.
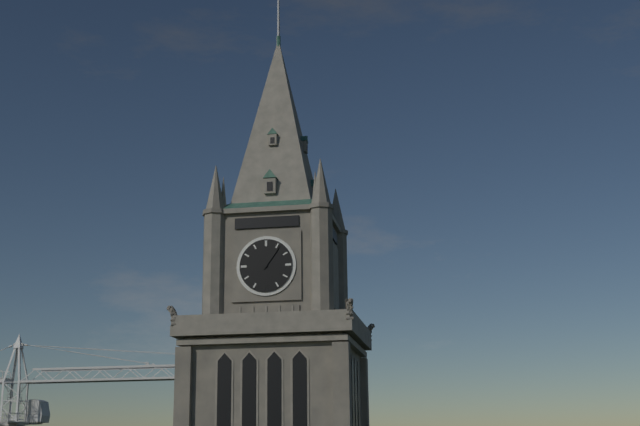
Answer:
h=1 m=6
